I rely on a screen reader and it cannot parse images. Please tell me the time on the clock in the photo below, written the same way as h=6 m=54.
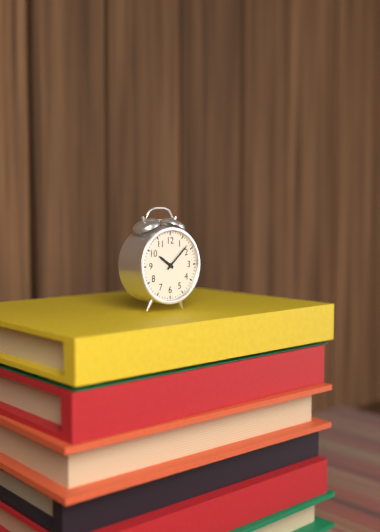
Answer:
h=10 m=8
